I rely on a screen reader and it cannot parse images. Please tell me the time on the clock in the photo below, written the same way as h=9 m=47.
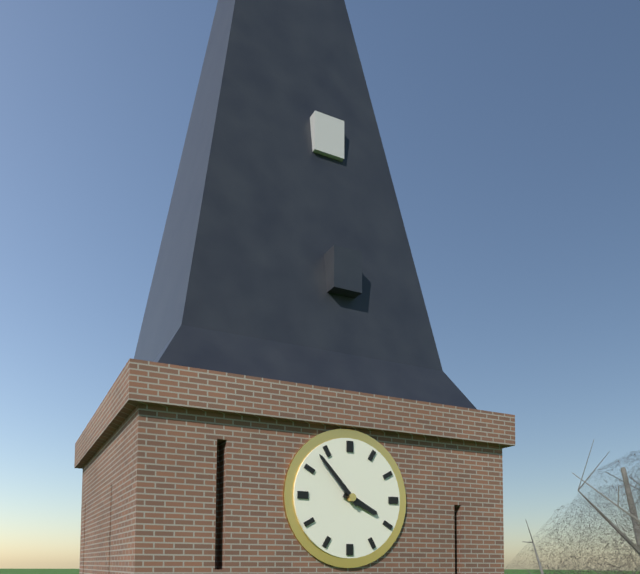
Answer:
h=3 m=53
